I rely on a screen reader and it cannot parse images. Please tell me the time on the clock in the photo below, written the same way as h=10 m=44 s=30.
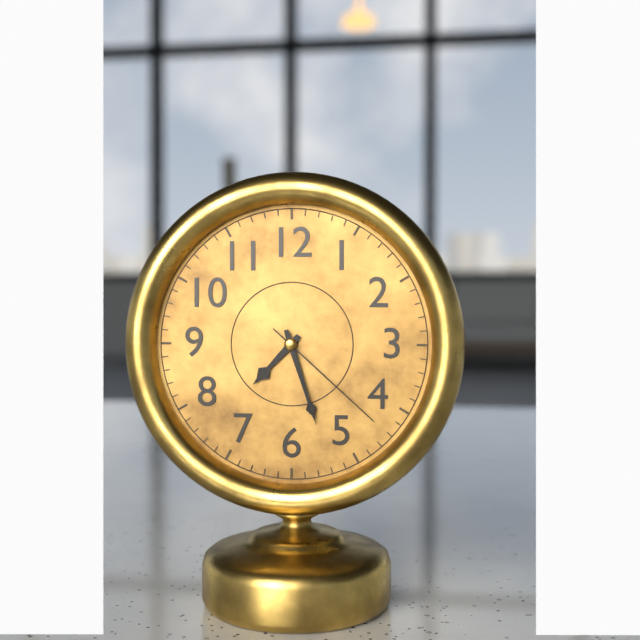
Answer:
h=7 m=27 s=22
